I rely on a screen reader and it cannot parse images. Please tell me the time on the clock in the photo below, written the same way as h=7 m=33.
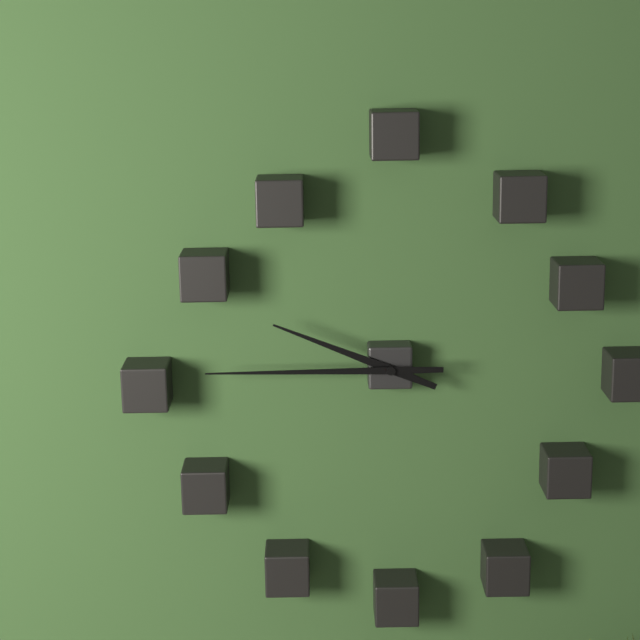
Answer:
h=9 m=45
